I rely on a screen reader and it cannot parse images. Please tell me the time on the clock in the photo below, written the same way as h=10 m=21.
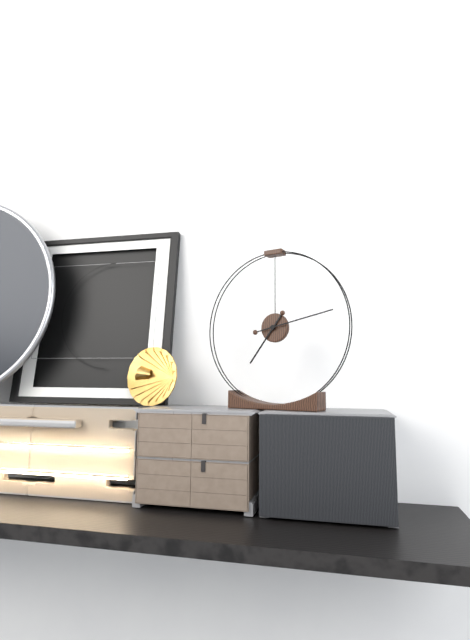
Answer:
h=7 m=13
